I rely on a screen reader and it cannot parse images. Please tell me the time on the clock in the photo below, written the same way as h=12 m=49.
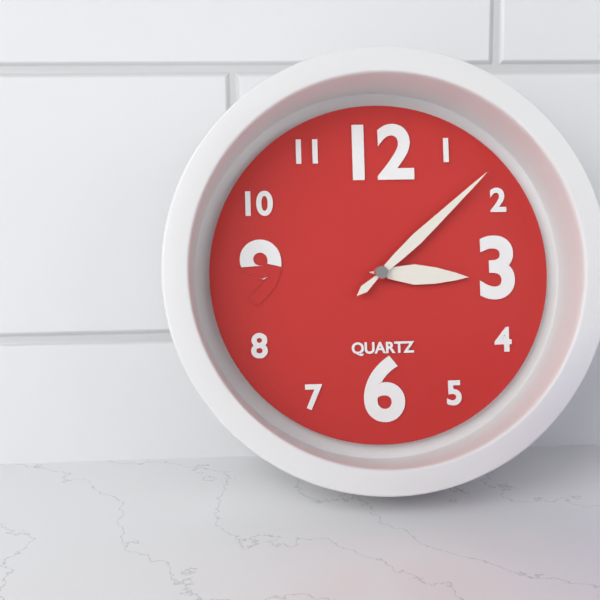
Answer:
h=3 m=8
